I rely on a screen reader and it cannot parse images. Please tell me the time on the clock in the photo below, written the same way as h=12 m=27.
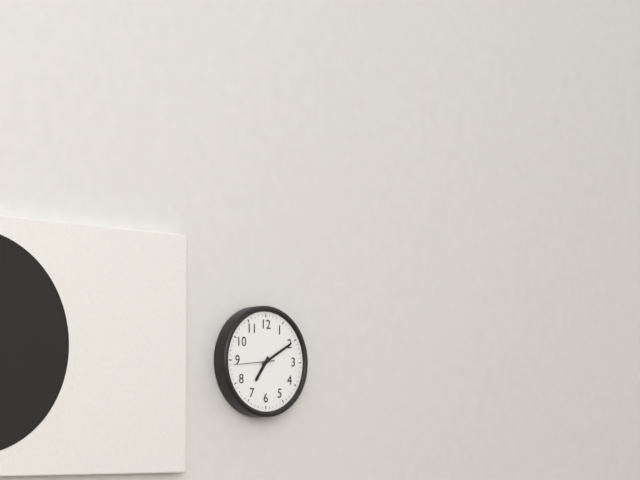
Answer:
h=7 m=10
